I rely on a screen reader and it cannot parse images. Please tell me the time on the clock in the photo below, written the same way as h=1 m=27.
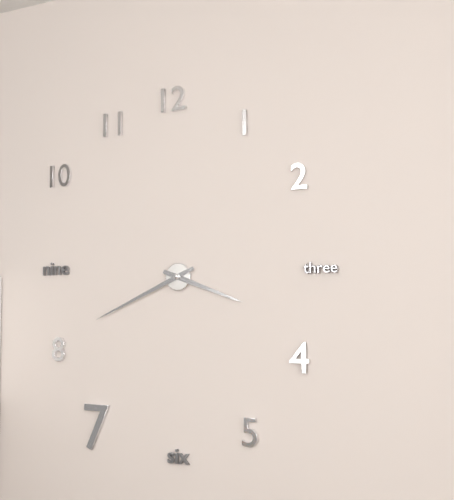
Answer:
h=3 m=41
